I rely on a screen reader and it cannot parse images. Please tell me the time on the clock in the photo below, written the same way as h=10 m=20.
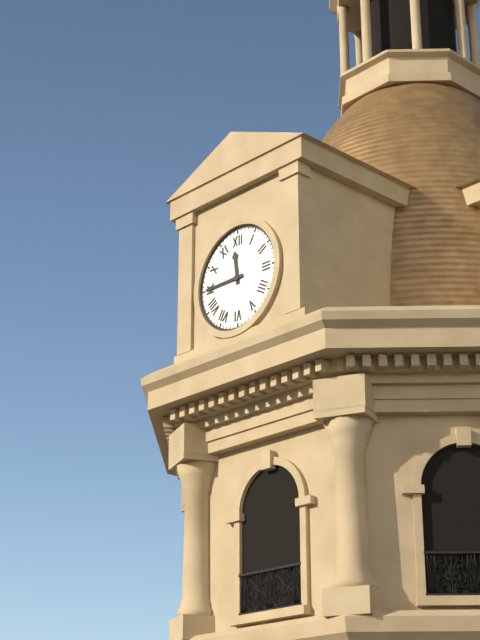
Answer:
h=11 m=45
